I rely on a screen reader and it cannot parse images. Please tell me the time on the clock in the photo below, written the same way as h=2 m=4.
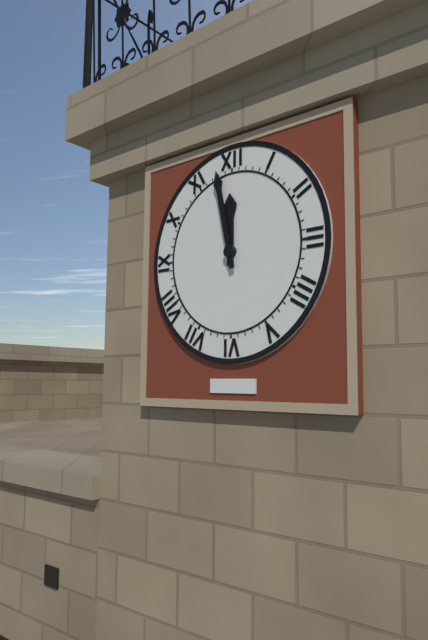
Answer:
h=11 m=58
